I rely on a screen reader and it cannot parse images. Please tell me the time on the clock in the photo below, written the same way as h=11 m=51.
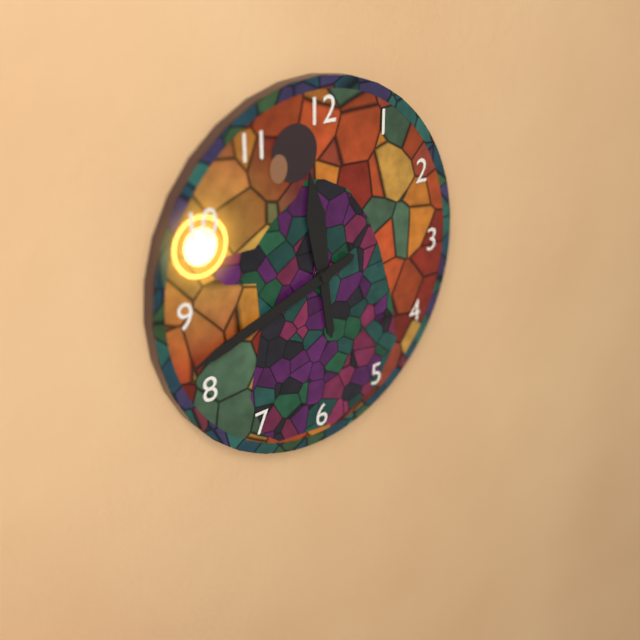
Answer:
h=11 m=42
